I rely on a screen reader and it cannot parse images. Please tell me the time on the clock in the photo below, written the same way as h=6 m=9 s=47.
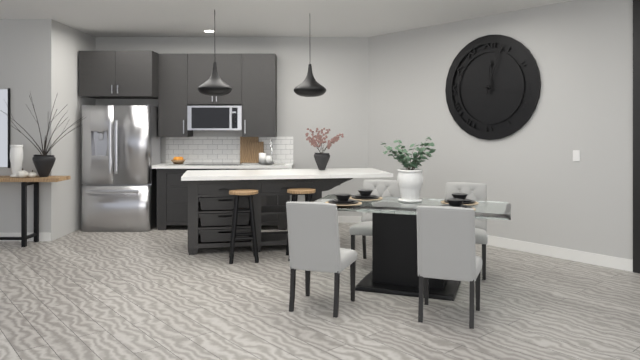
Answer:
h=12 m=3 s=17
